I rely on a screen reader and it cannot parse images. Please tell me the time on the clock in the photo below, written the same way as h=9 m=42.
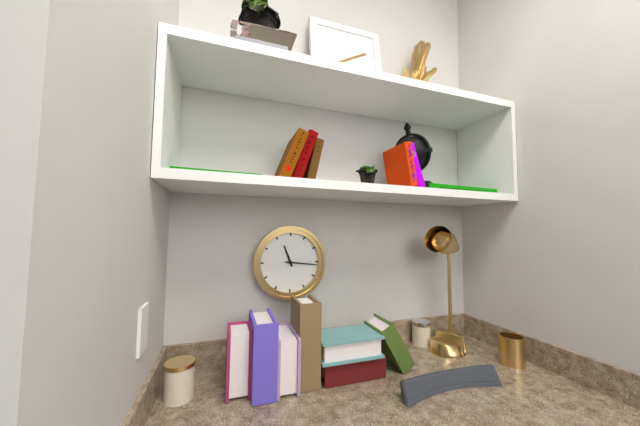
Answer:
h=11 m=16
